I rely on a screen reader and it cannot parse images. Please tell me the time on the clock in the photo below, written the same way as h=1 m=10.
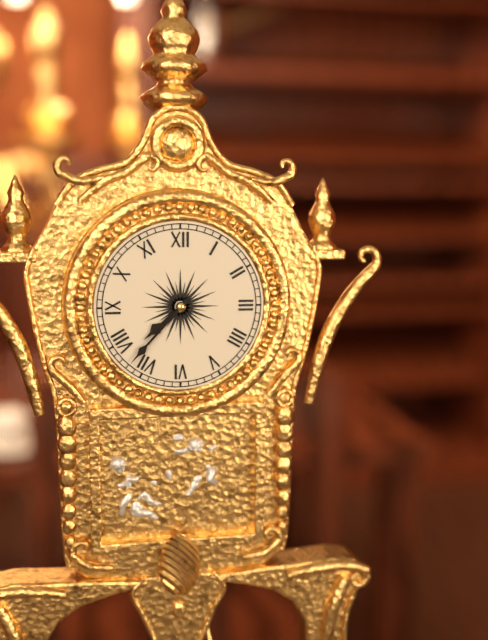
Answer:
h=7 m=37
